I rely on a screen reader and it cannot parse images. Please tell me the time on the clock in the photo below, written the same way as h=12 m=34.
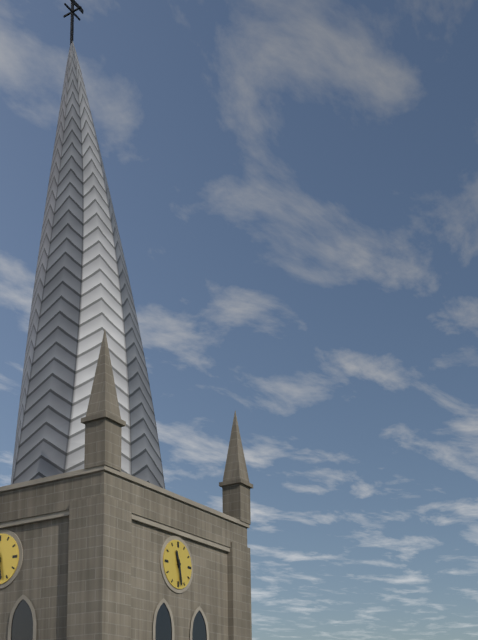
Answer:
h=11 m=28
